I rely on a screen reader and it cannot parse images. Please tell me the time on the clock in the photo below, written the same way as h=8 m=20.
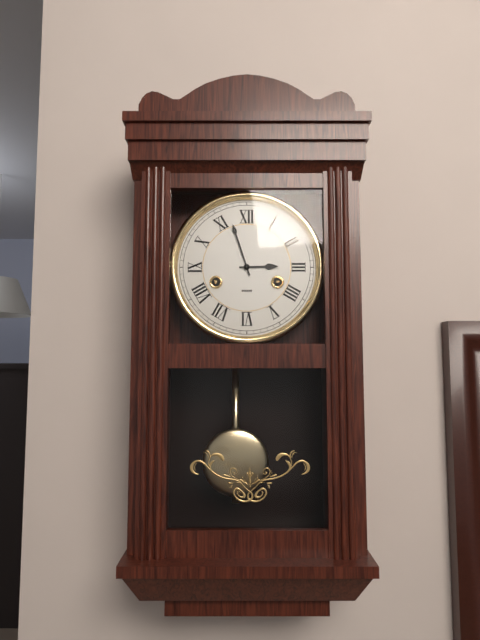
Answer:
h=2 m=57
